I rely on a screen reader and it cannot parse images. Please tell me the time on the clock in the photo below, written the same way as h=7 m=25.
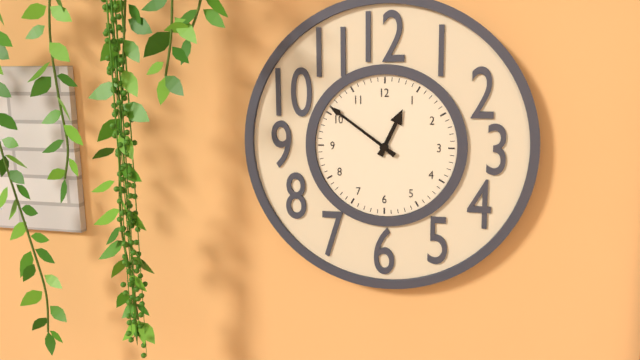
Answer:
h=12 m=51
